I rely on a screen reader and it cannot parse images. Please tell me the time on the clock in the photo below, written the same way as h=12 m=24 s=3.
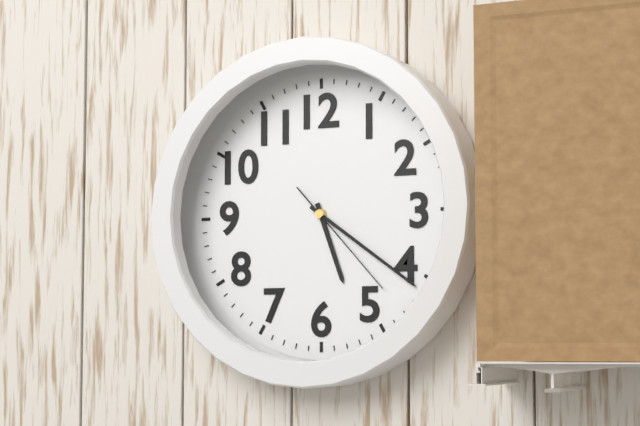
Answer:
h=5 m=21 s=23
